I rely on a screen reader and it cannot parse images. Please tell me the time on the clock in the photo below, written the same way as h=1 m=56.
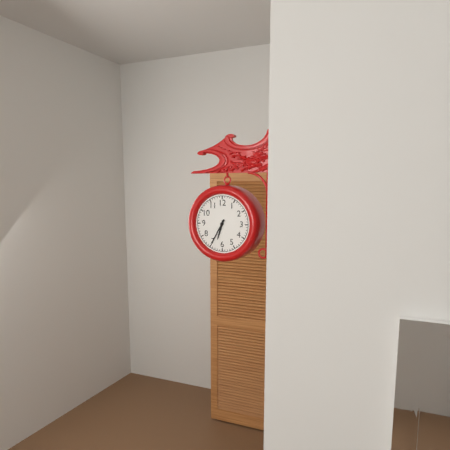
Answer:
h=6 m=35
